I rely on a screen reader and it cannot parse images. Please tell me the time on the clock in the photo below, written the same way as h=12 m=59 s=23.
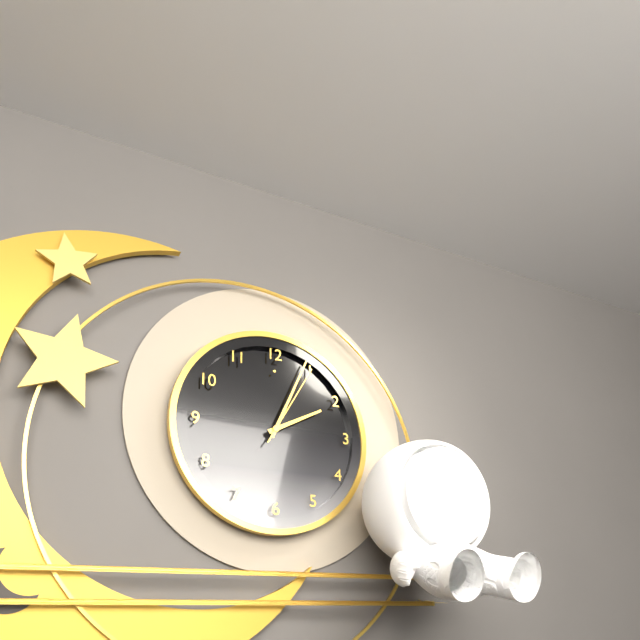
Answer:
h=2 m=4 s=5
